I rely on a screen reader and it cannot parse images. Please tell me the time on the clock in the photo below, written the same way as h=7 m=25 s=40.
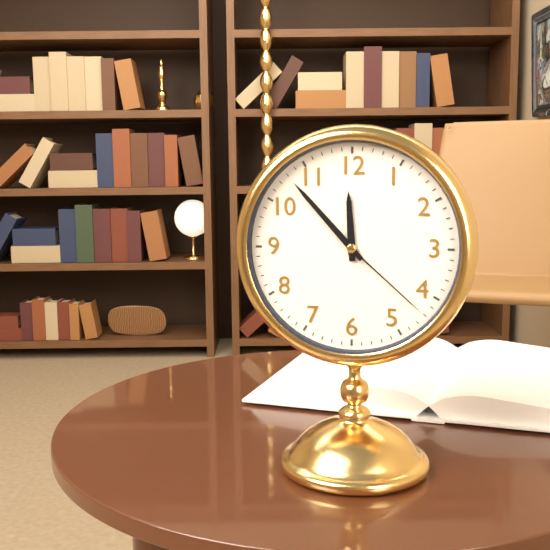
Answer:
h=11 m=53 s=22
